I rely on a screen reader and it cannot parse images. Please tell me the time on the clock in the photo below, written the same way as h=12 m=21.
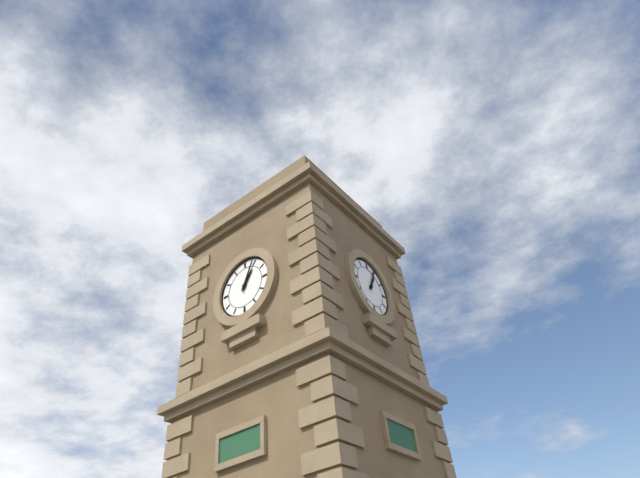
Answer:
h=1 m=4
